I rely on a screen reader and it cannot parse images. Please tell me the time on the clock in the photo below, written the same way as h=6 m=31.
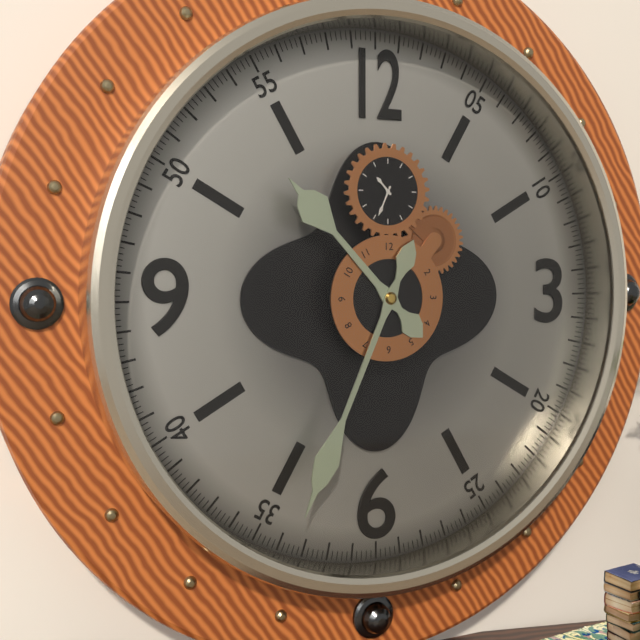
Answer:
h=10 m=34
